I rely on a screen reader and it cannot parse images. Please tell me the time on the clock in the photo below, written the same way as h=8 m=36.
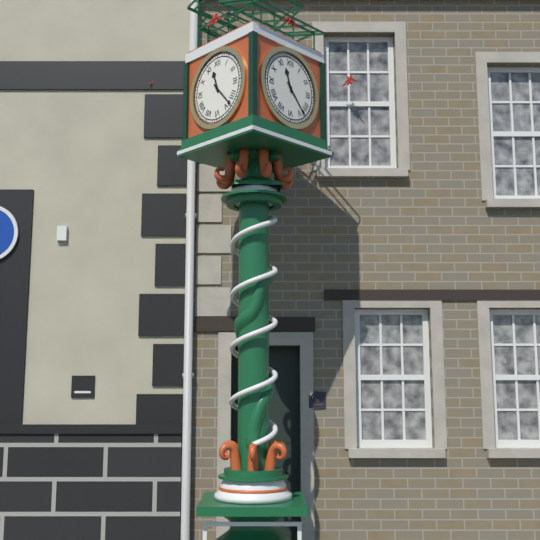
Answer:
h=11 m=23
